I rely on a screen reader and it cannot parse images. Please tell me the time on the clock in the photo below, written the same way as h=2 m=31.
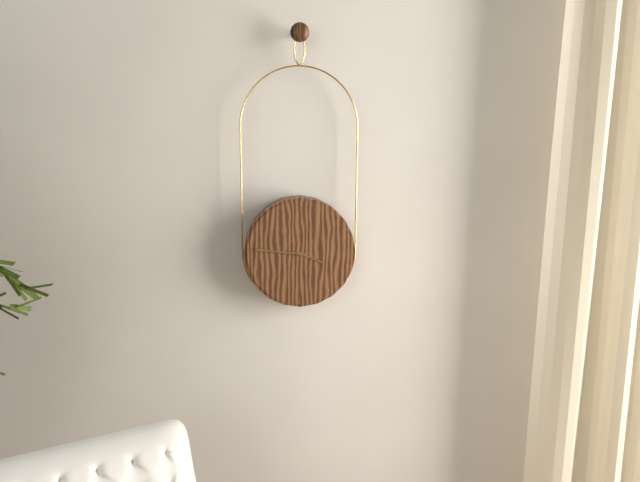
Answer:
h=3 m=46
